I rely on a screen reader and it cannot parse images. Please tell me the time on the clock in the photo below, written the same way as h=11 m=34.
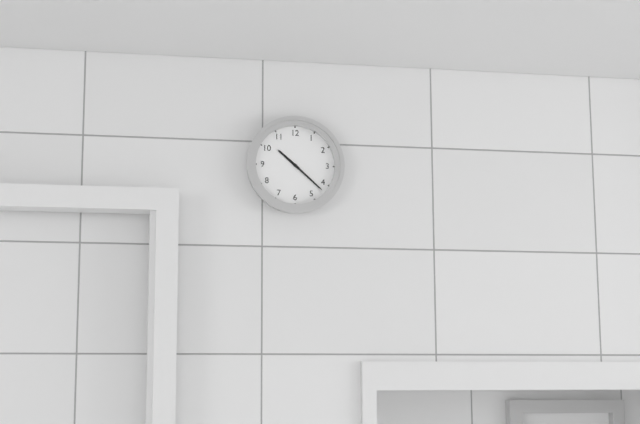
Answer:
h=10 m=22
